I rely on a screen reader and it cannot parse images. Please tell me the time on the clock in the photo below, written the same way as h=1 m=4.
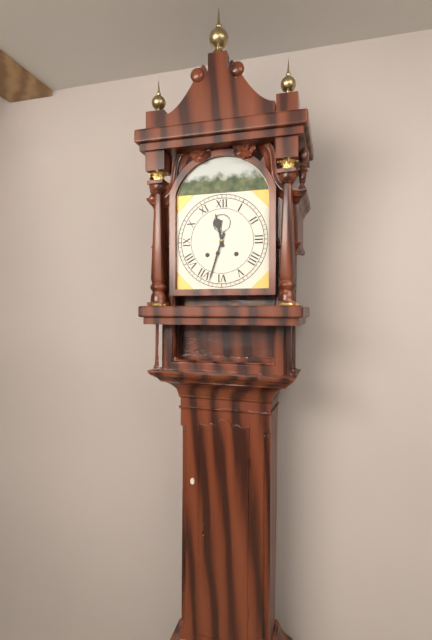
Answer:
h=11 m=33
